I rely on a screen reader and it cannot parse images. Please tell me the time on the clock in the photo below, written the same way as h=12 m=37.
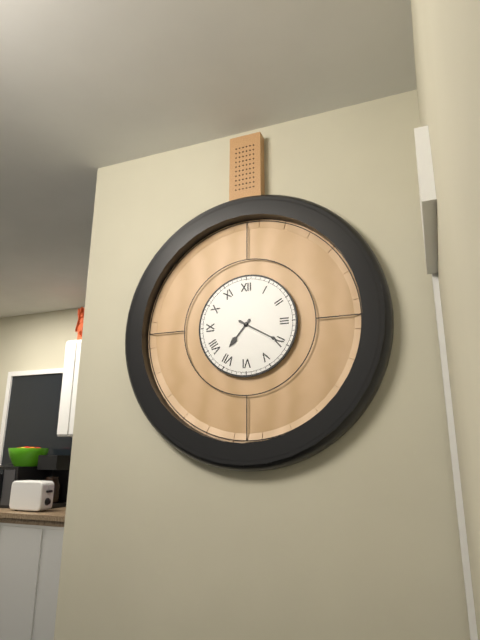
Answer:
h=7 m=20
